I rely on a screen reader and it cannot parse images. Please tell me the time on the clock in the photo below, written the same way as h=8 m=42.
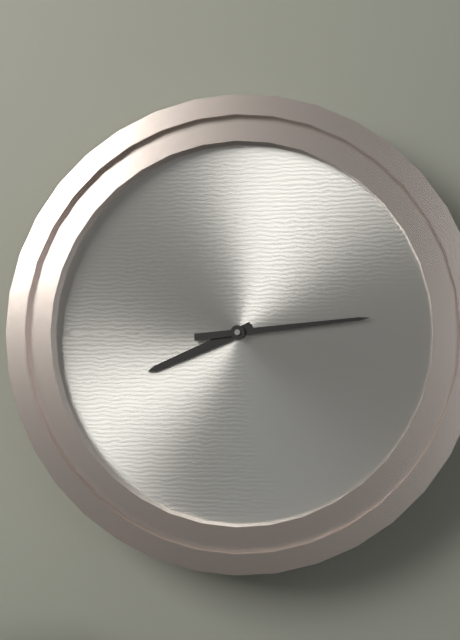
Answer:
h=8 m=14
